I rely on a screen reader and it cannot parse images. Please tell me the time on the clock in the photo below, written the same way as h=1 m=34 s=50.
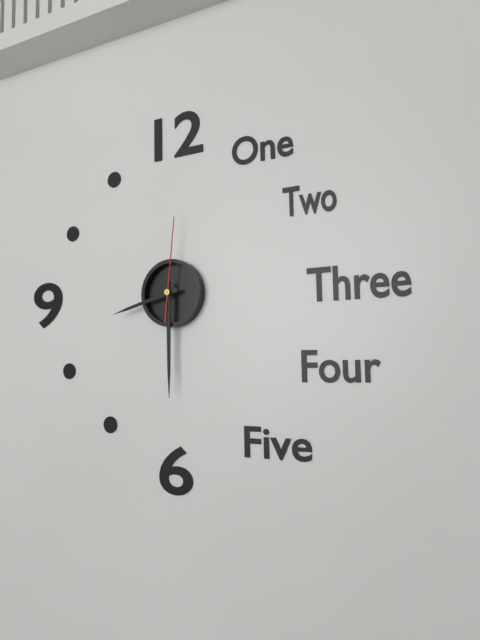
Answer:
h=8 m=30 s=1
